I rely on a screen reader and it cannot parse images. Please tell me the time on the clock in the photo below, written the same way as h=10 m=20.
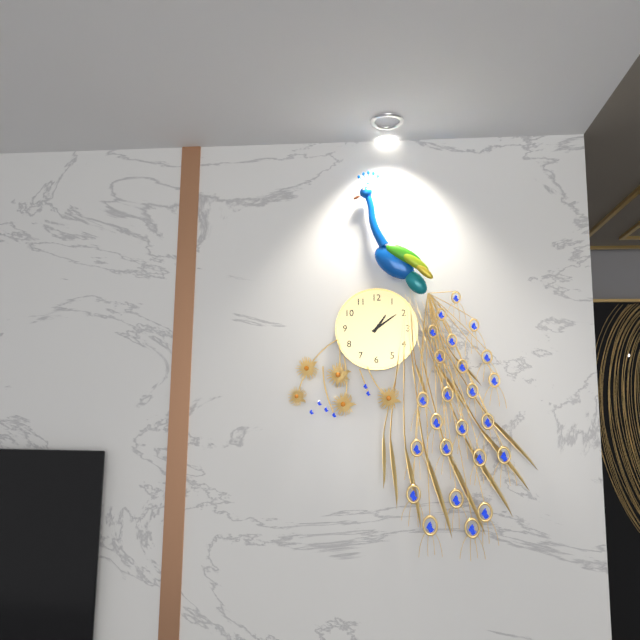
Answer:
h=1 m=9
